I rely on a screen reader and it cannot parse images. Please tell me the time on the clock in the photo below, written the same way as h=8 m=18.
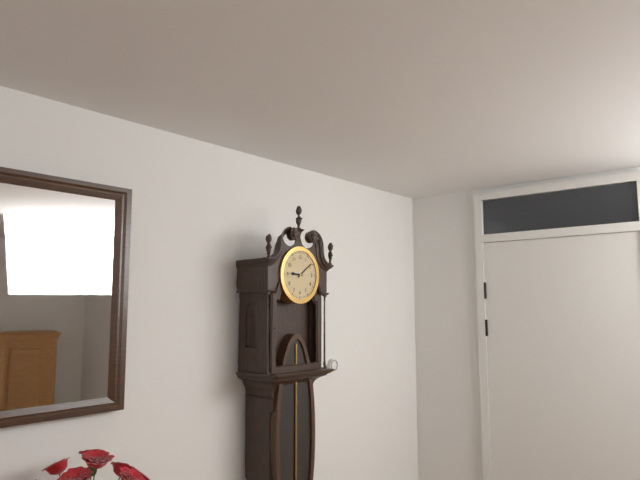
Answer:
h=9 m=9
